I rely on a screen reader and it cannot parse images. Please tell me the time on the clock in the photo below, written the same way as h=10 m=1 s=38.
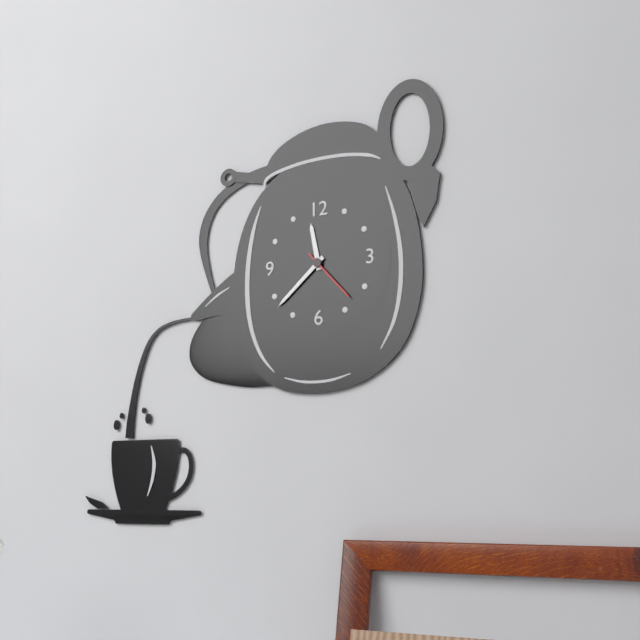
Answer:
h=11 m=38 s=23
